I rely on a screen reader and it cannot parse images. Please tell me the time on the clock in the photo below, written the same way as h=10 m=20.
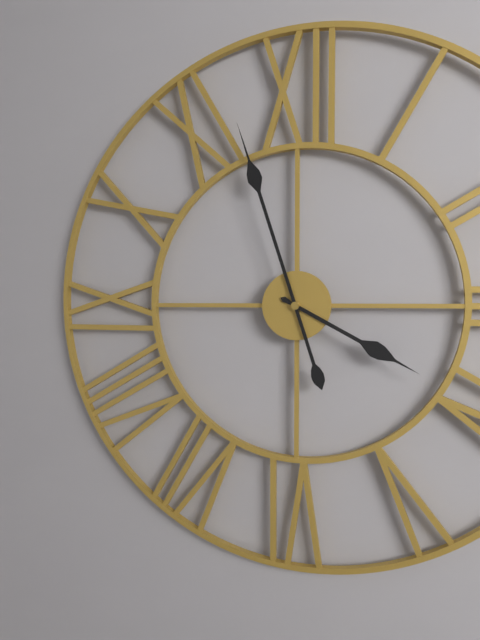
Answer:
h=3 m=57
